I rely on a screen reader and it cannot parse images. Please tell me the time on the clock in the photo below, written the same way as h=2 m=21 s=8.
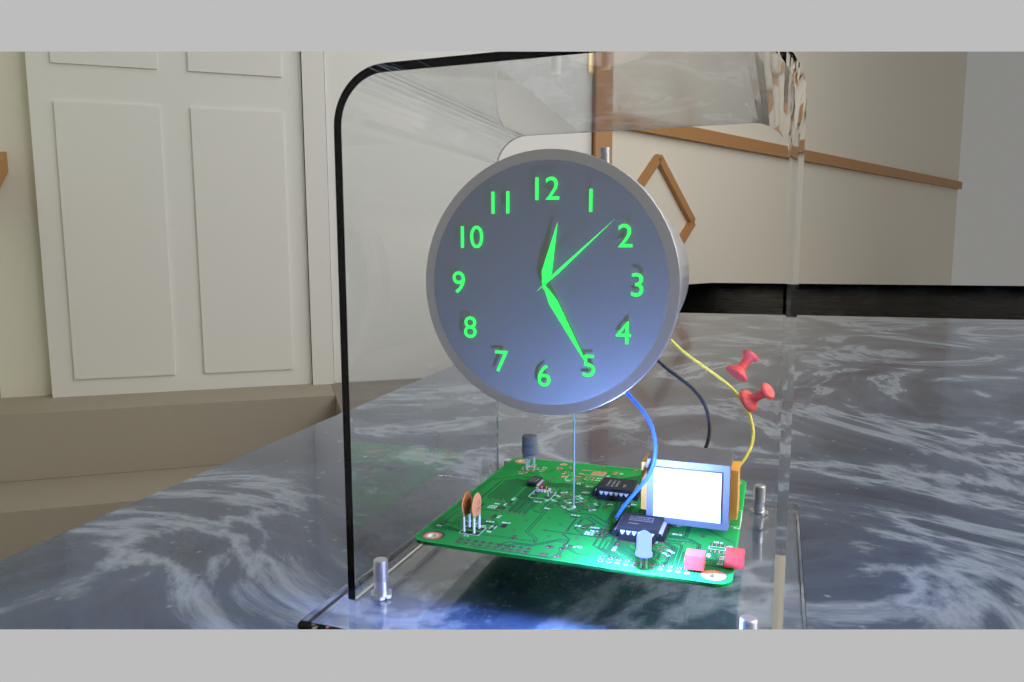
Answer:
h=12 m=25 s=8
